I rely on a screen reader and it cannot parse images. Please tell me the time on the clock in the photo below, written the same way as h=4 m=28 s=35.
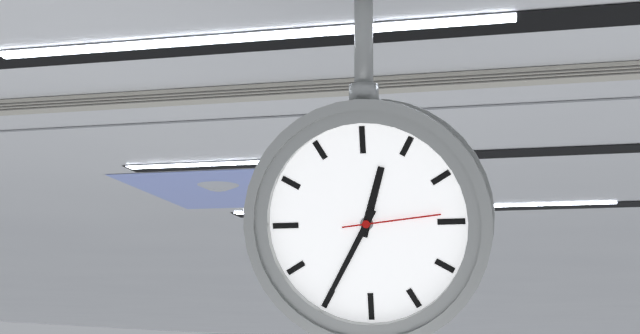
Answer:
h=12 m=35 s=14
